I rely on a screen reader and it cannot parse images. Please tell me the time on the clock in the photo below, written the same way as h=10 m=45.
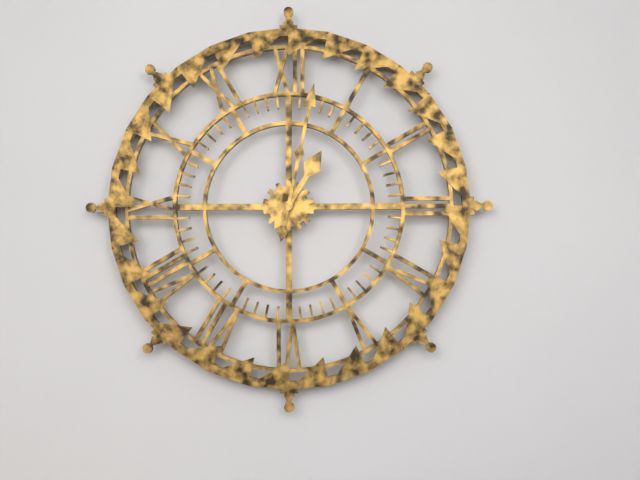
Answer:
h=1 m=2
